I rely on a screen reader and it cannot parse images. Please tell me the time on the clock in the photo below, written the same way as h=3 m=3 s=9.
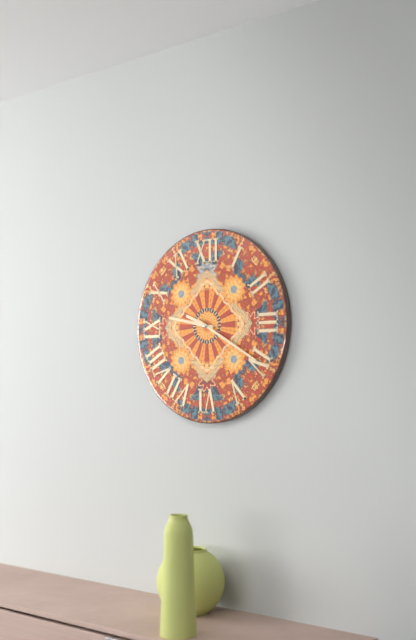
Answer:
h=9 m=47 s=20
